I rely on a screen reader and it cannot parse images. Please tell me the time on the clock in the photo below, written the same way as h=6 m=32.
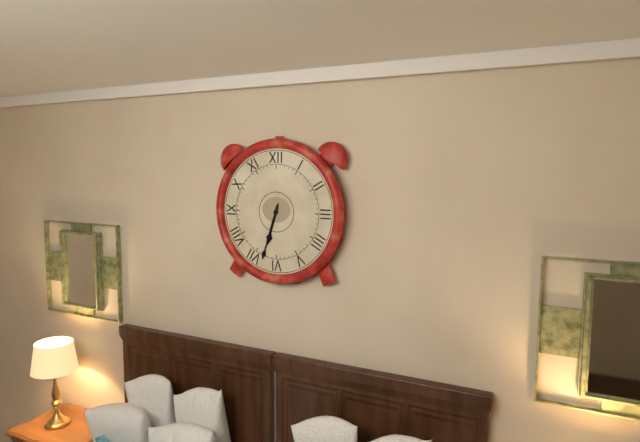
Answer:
h=6 m=33
